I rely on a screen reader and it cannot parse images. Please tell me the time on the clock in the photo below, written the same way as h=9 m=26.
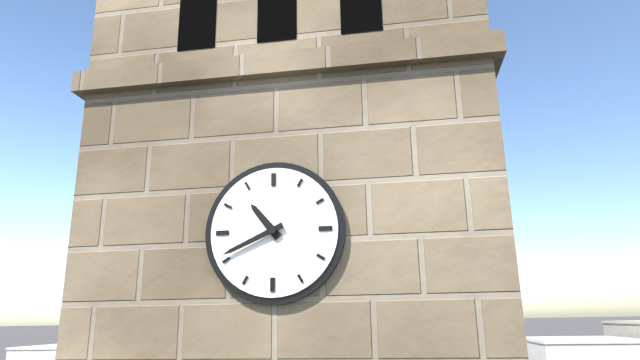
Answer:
h=10 m=41
